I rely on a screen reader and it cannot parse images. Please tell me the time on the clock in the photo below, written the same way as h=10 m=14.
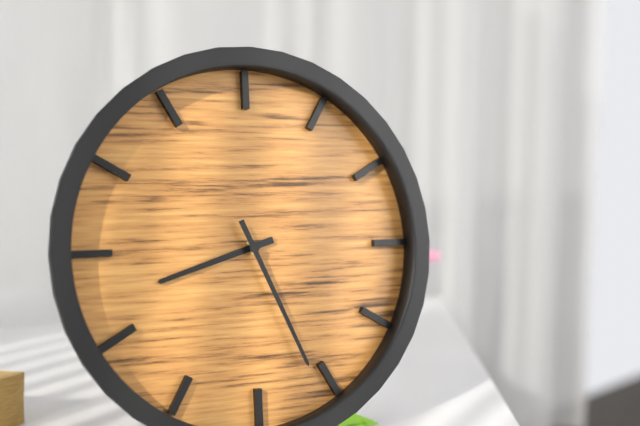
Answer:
h=8 m=26
